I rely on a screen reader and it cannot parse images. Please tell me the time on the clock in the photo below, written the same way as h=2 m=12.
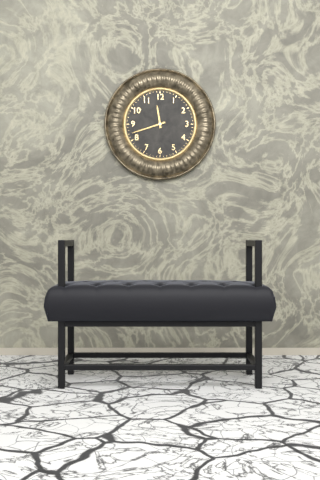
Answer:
h=11 m=42
